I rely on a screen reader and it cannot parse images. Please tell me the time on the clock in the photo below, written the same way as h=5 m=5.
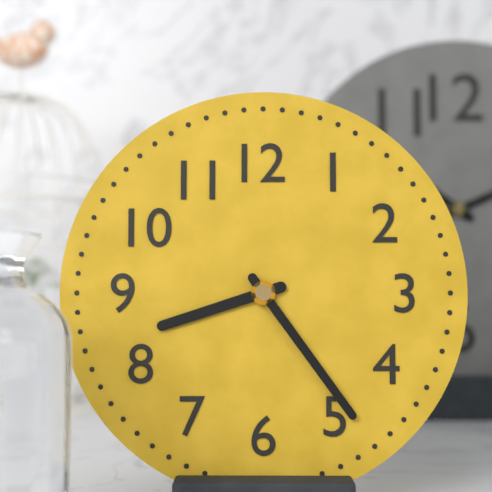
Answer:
h=8 m=24
